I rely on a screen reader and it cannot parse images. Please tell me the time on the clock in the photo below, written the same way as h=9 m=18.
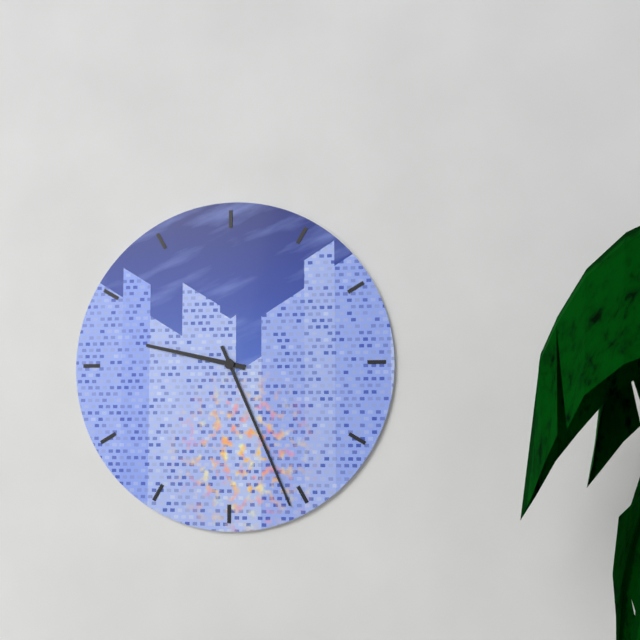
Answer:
h=9 m=26
